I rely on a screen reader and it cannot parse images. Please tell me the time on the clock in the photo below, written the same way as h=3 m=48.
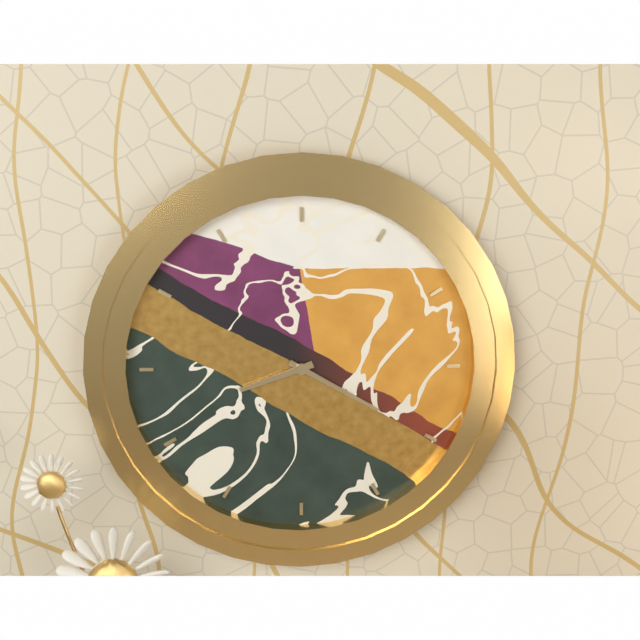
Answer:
h=8 m=20
